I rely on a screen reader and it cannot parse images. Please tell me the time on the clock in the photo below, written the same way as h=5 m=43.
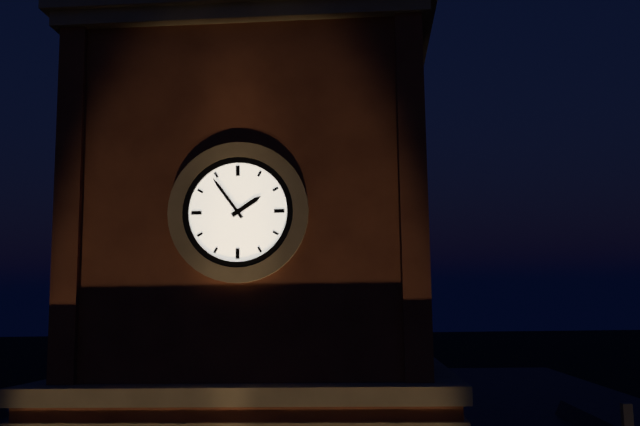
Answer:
h=1 m=54
